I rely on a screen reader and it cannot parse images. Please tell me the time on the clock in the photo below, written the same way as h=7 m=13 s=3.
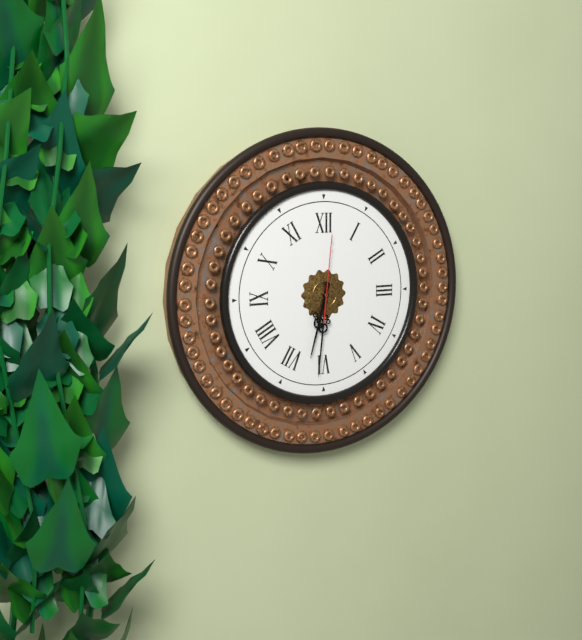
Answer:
h=6 m=31 s=1
